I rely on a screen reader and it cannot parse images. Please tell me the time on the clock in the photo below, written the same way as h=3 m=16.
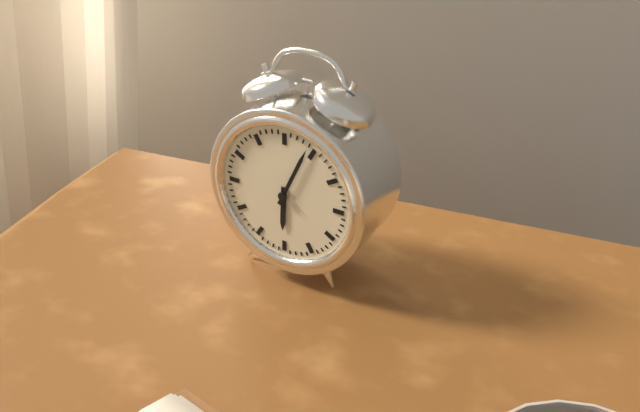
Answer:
h=6 m=4
